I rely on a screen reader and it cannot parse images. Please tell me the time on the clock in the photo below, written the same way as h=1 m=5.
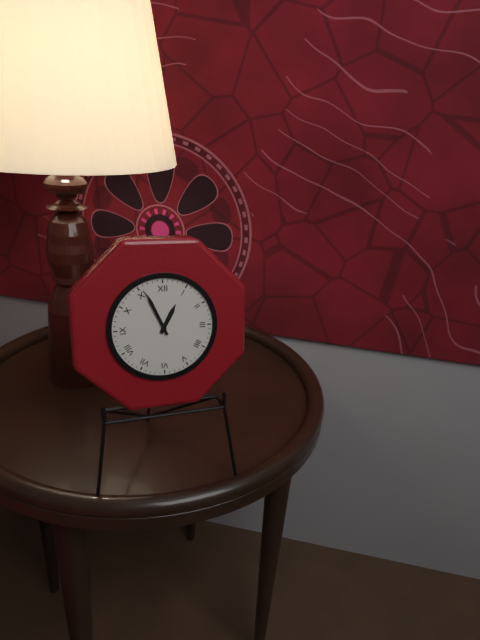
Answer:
h=12 m=56
